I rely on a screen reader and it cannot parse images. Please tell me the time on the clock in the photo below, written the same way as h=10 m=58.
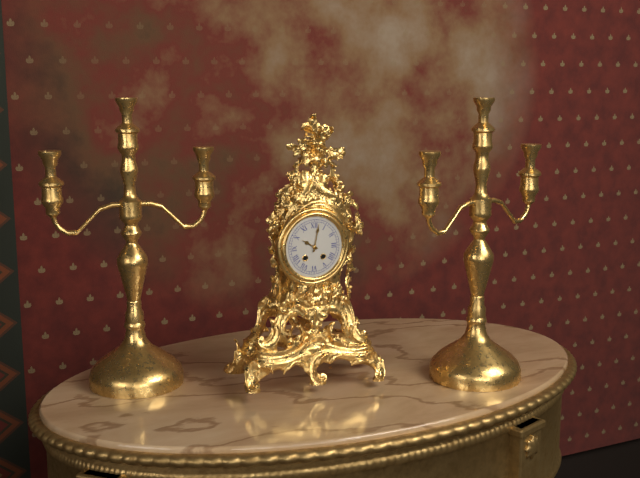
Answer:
h=10 m=2
